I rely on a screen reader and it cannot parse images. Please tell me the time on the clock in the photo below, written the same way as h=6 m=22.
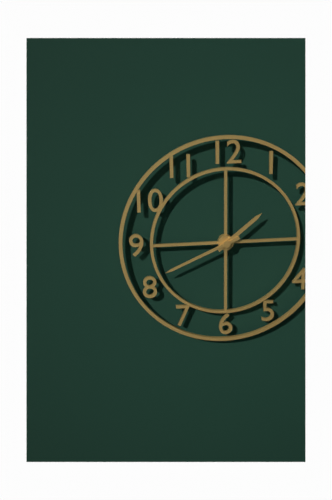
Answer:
h=1 m=41
